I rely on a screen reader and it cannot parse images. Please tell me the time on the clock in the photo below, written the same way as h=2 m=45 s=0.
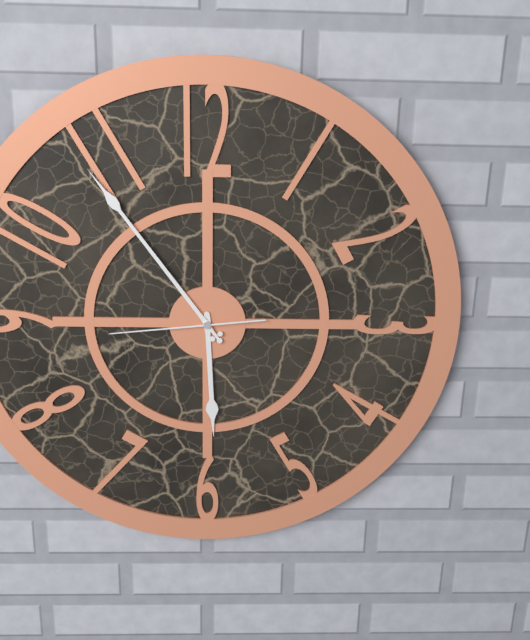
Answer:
h=5 m=54 s=44
